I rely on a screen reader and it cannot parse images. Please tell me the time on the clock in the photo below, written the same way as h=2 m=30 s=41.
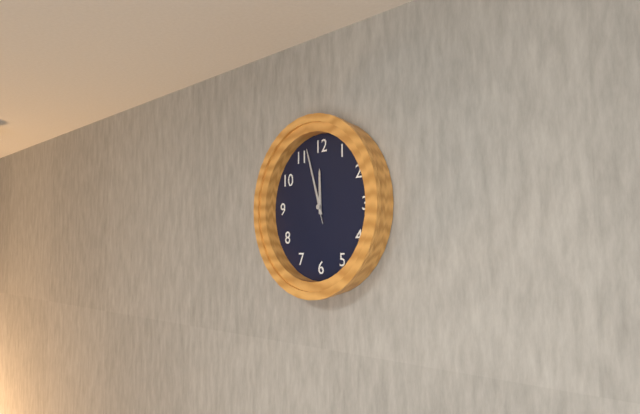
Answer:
h=11 m=57 s=57
